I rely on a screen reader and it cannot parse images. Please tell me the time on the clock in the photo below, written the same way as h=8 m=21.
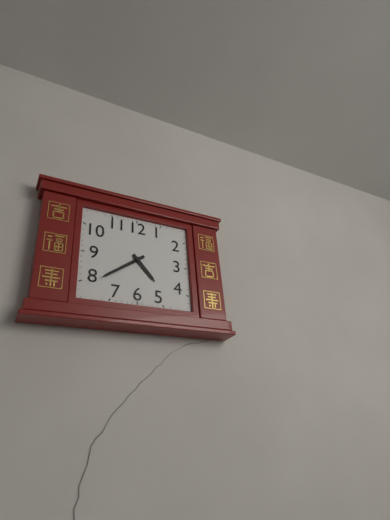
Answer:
h=4 m=39
